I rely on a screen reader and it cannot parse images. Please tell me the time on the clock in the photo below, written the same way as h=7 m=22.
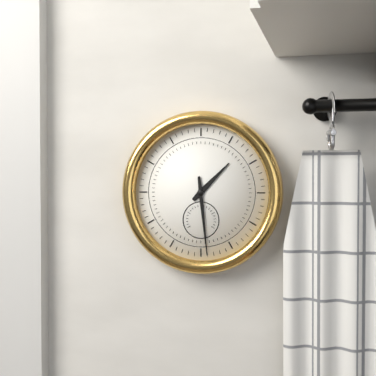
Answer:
h=1 m=29
